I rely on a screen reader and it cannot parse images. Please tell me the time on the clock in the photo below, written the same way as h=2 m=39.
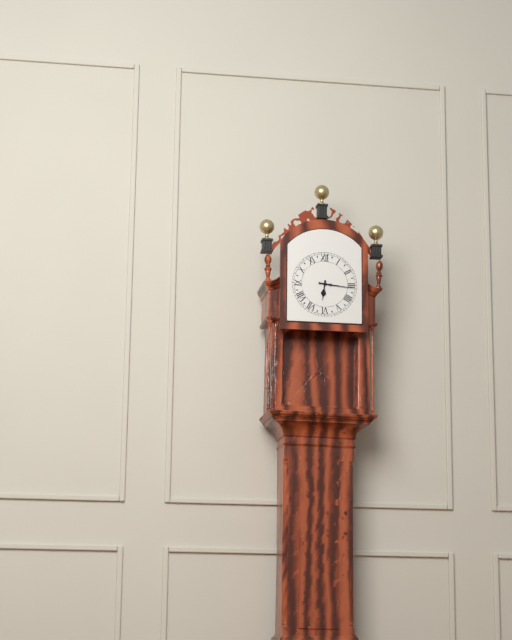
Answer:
h=6 m=16
